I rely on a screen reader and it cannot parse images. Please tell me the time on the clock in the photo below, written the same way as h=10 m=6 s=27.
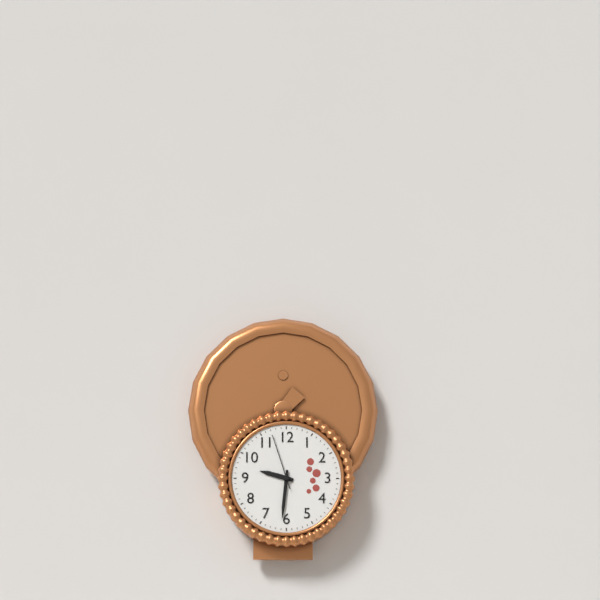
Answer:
h=9 m=31 s=57
